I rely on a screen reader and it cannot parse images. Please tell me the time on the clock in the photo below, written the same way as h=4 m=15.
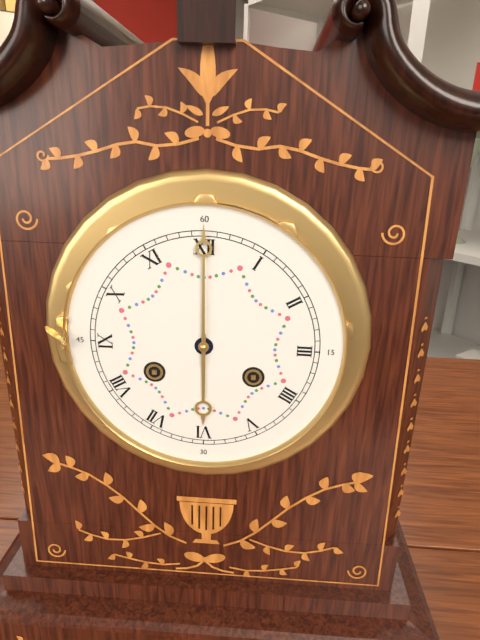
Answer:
h=6 m=0
